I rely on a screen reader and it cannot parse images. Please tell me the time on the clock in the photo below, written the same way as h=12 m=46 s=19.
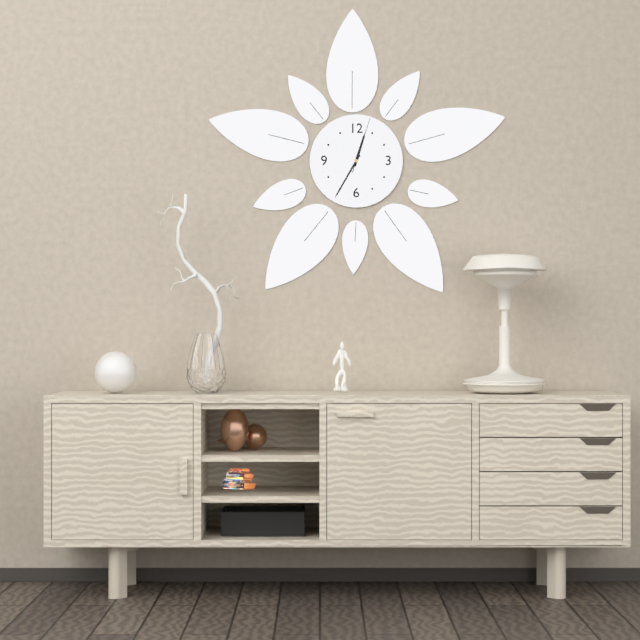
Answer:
h=12 m=35 s=3
